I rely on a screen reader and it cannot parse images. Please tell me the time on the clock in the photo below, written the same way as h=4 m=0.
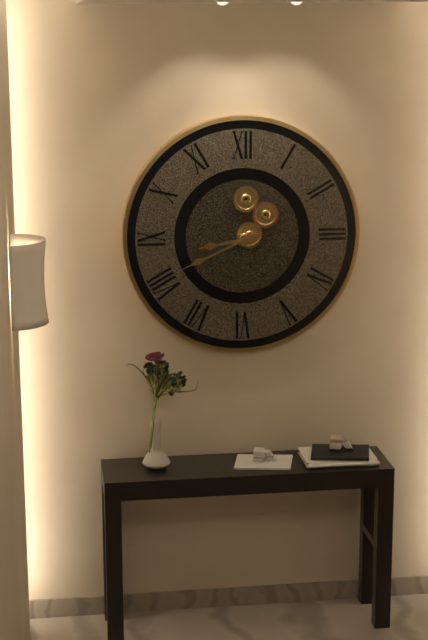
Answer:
h=8 m=41
